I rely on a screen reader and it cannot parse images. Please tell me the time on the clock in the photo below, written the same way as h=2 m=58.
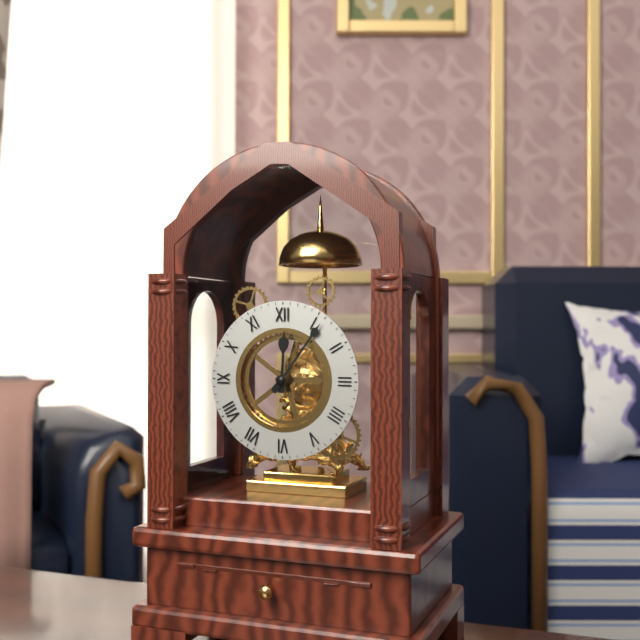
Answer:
h=12 m=6
